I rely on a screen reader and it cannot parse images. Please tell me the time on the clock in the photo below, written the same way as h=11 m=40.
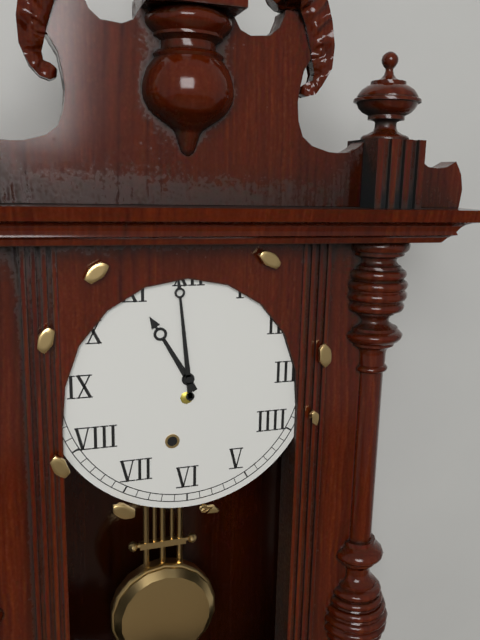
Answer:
h=10 m=59
